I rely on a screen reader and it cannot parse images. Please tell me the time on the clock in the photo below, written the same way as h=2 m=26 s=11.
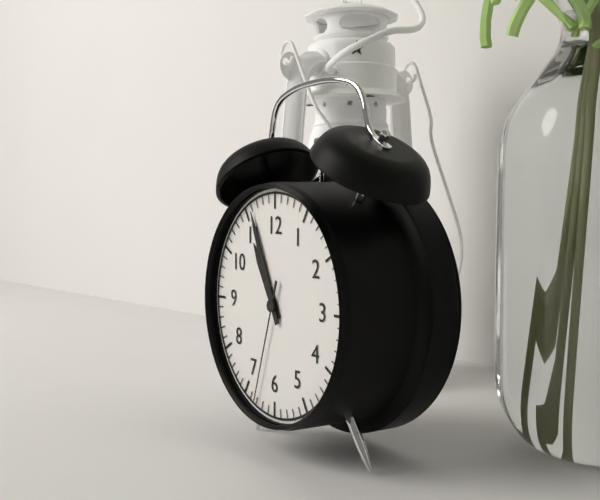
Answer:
h=10 m=56 s=33
